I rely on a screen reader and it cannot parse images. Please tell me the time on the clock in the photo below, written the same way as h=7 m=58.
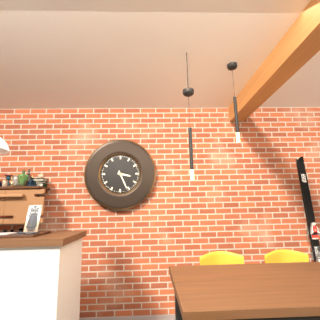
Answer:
h=3 m=26
